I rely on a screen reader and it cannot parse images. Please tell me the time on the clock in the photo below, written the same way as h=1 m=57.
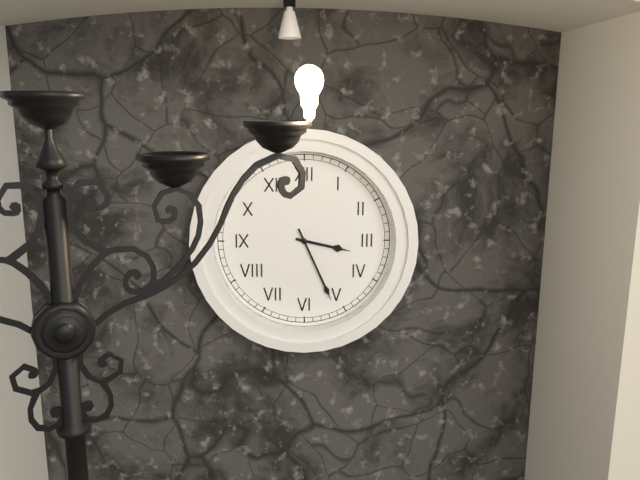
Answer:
h=3 m=26
